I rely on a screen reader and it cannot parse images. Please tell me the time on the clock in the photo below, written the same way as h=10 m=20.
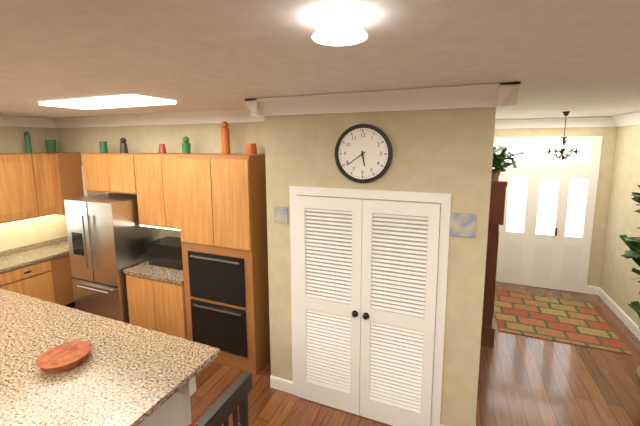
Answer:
h=5 m=39
